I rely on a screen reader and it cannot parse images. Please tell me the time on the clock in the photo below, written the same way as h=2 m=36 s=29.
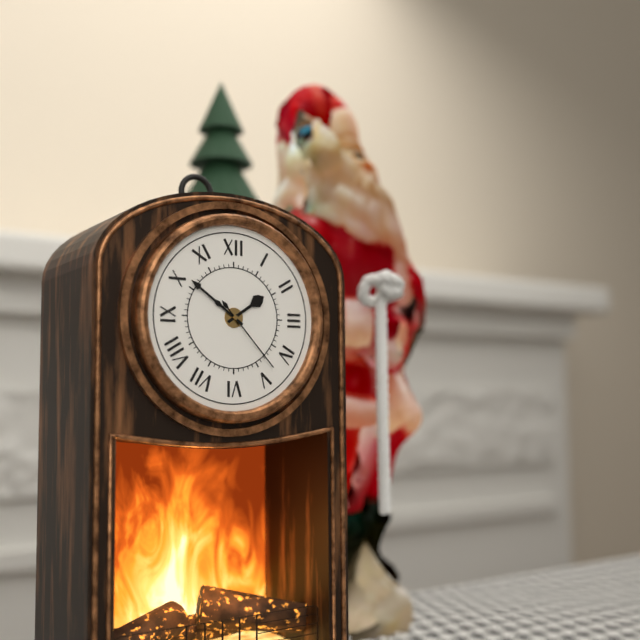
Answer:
h=1 m=51 s=23
